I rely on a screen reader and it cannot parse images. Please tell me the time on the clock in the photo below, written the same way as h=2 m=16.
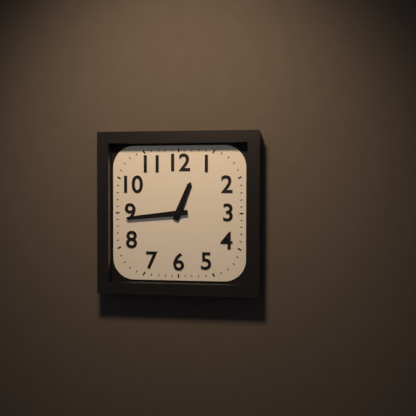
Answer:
h=12 m=44
